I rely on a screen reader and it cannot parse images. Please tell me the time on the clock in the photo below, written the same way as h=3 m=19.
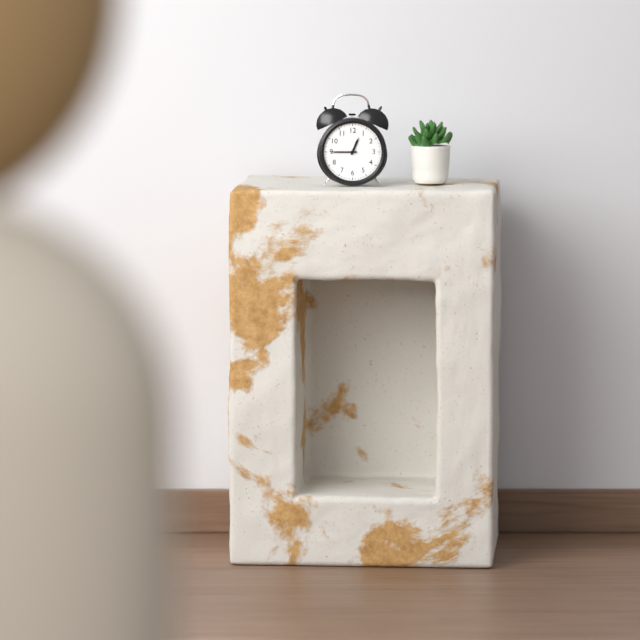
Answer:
h=12 m=45
